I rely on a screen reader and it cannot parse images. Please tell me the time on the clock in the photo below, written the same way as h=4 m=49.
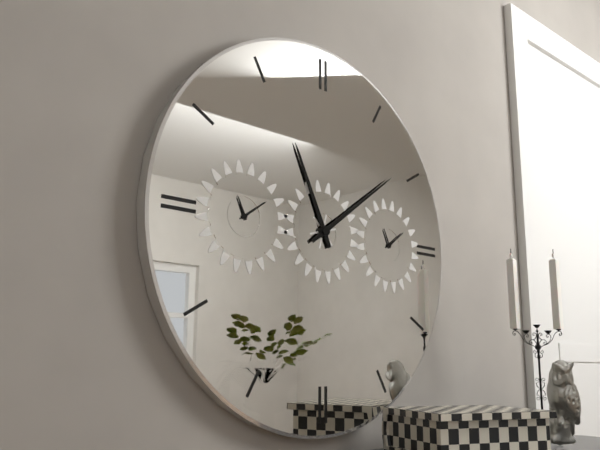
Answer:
h=11 m=9
